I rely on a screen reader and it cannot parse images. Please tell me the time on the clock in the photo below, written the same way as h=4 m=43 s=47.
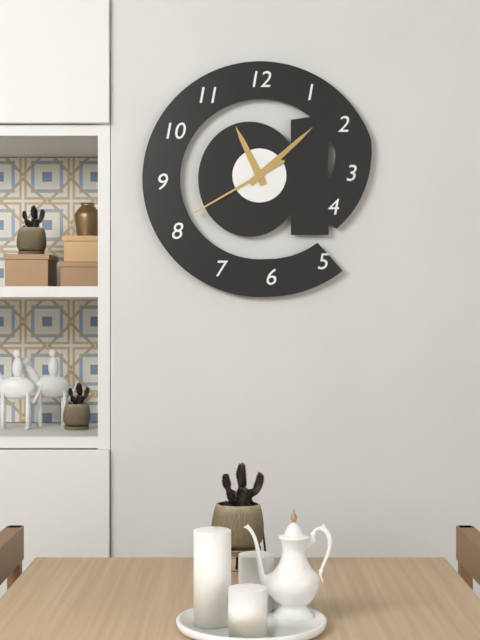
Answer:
h=11 m=8 s=40
